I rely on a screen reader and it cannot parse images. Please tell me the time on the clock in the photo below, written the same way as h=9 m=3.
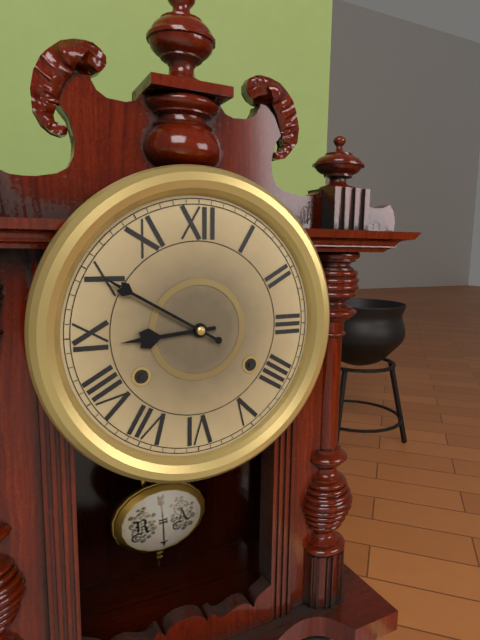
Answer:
h=8 m=50
